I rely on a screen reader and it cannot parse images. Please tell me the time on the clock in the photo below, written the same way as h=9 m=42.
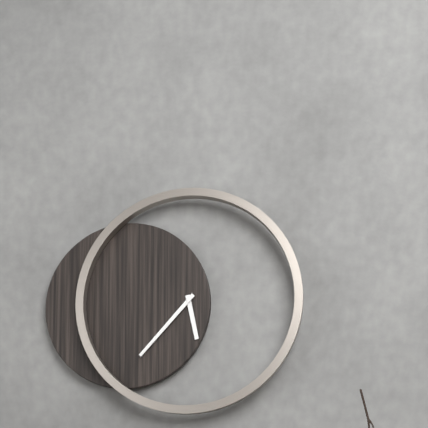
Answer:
h=5 m=37
